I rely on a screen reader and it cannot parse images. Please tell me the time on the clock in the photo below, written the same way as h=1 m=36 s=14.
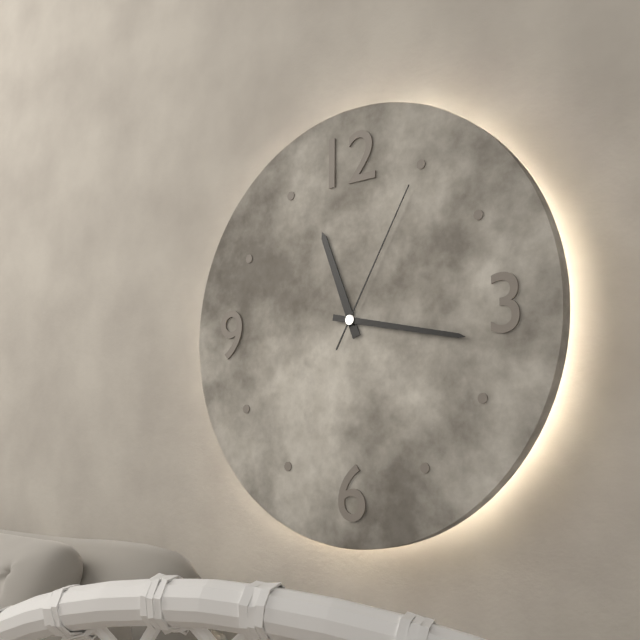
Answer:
h=11 m=17 s=5
